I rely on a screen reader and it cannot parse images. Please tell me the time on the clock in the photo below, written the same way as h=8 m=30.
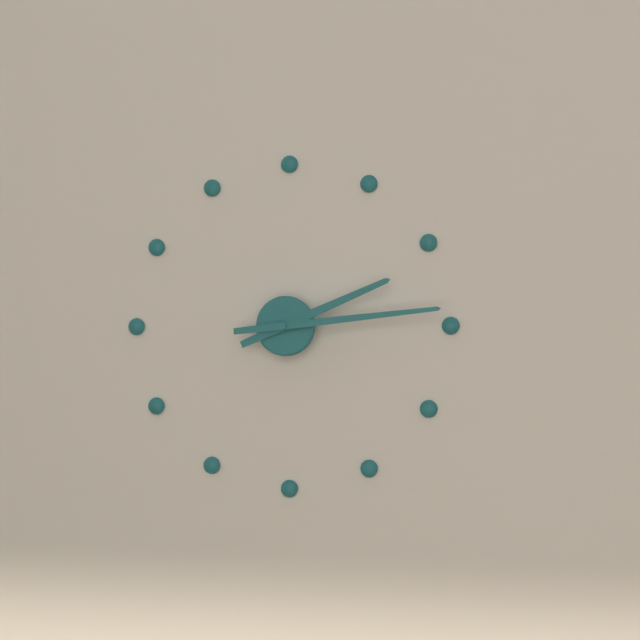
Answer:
h=2 m=14
